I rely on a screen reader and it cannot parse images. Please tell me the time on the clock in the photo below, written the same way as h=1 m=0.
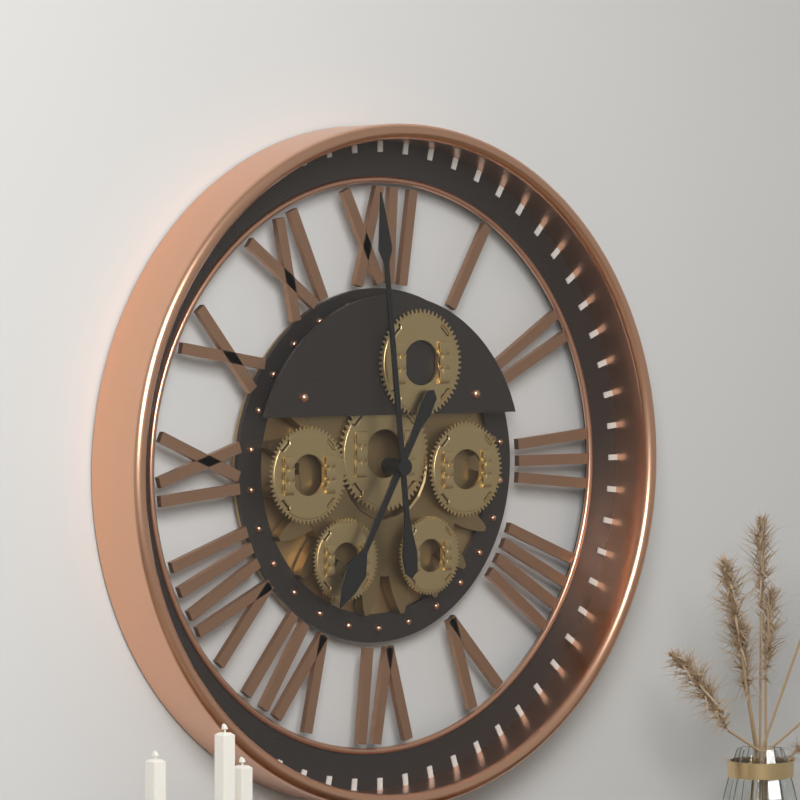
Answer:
h=6 m=59
